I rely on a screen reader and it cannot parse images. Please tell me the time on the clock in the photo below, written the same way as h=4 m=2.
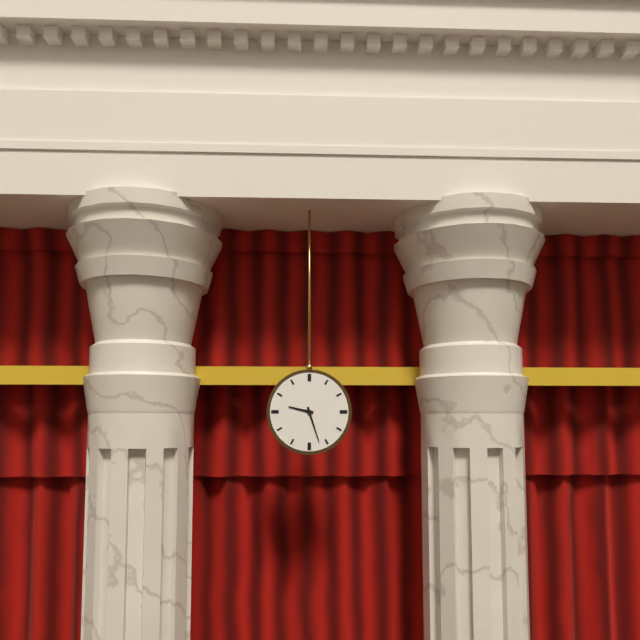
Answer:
h=9 m=27
